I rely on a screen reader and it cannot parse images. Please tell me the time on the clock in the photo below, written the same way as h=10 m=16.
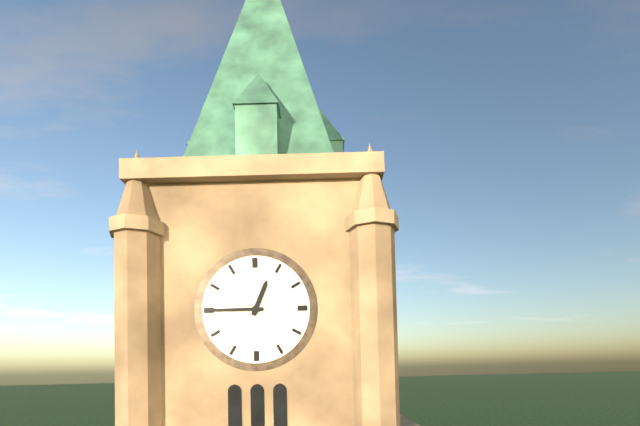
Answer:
h=12 m=45
